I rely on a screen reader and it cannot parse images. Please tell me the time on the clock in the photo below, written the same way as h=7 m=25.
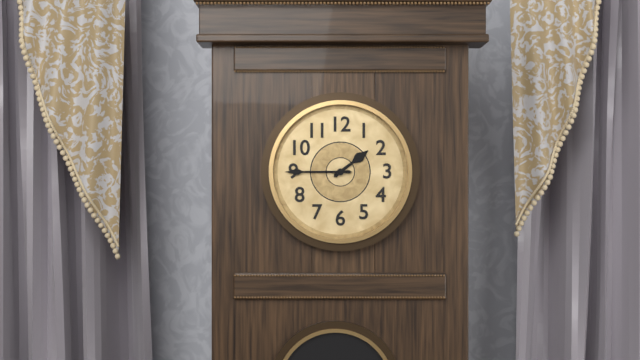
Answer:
h=1 m=45
